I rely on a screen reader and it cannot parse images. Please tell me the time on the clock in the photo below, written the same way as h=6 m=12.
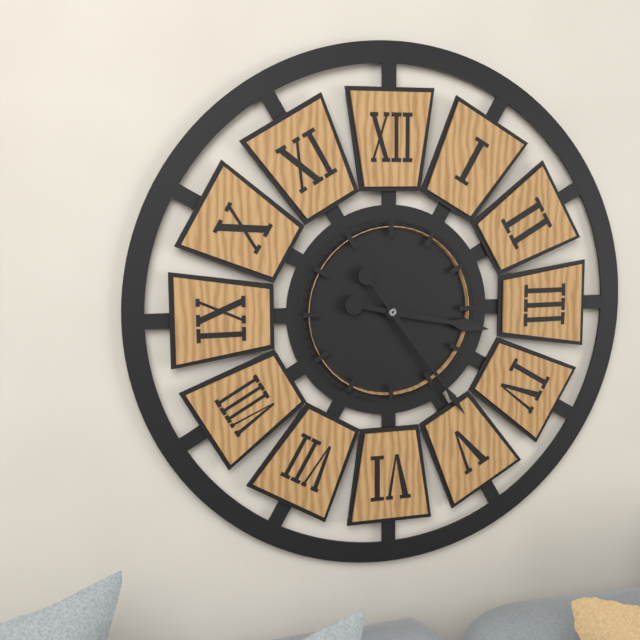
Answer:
h=3 m=24
